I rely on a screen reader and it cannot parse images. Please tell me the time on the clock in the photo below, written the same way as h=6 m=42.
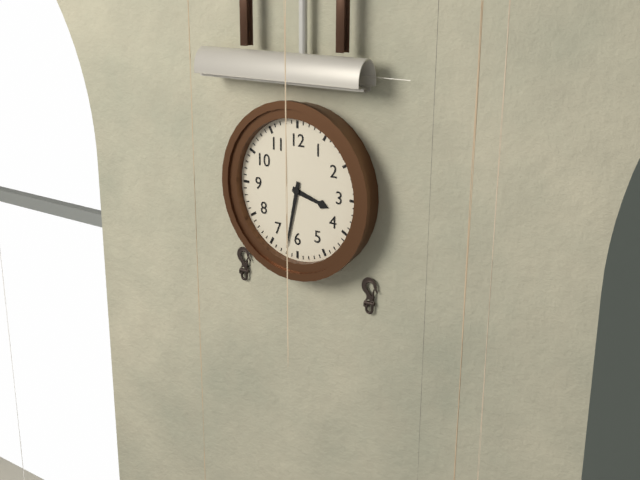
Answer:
h=3 m=32
